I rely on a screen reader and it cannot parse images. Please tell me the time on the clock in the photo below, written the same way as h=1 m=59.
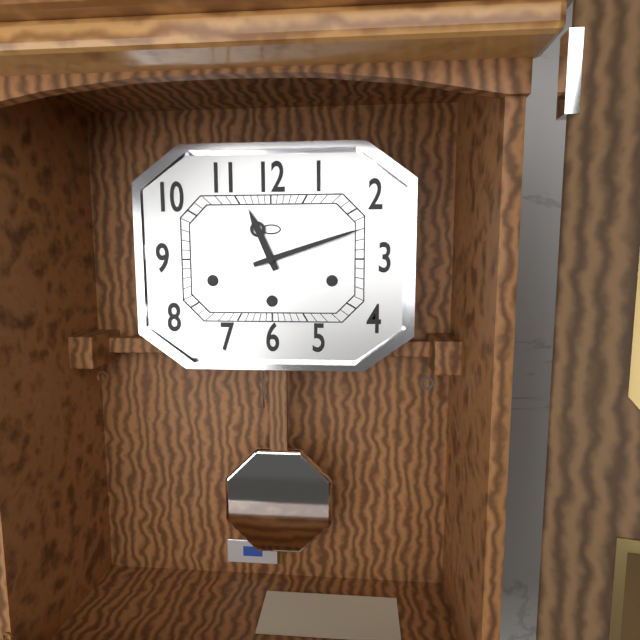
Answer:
h=11 m=12
